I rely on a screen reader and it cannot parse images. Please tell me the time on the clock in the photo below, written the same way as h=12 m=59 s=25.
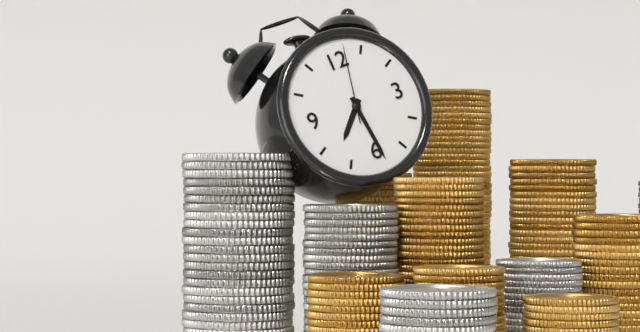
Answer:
h=7 m=29 s=2
